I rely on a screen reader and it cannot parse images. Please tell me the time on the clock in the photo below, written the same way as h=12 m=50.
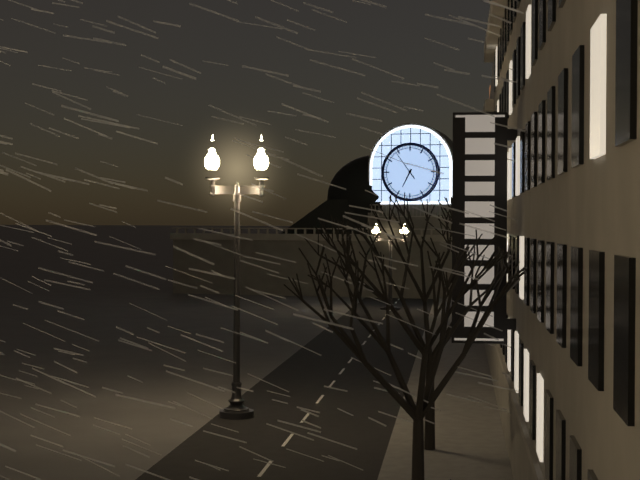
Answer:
h=6 m=54
